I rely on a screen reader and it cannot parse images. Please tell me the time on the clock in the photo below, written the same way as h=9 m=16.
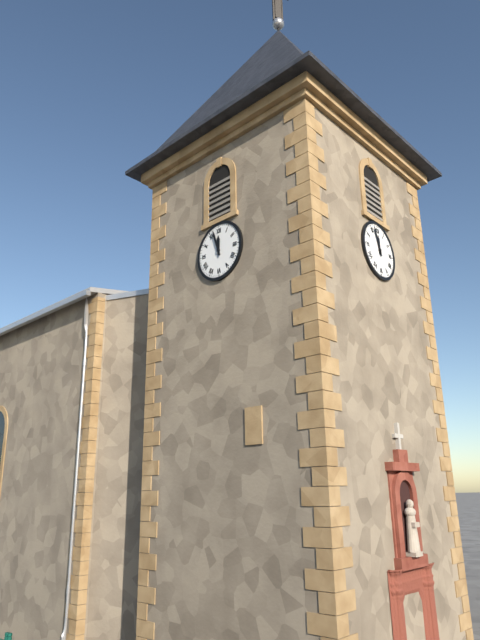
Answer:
h=11 m=57
